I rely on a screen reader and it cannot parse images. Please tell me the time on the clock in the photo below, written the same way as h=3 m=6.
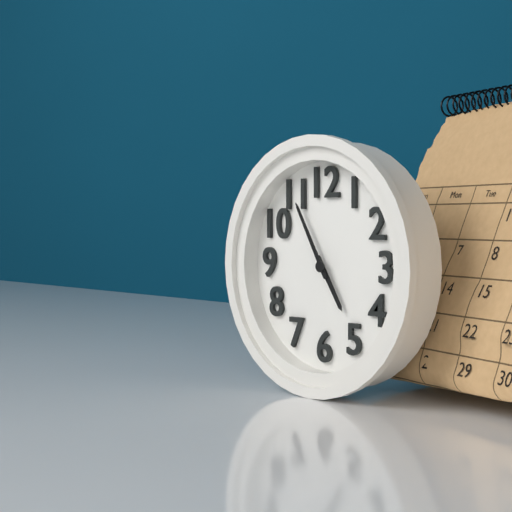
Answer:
h=4 m=55
